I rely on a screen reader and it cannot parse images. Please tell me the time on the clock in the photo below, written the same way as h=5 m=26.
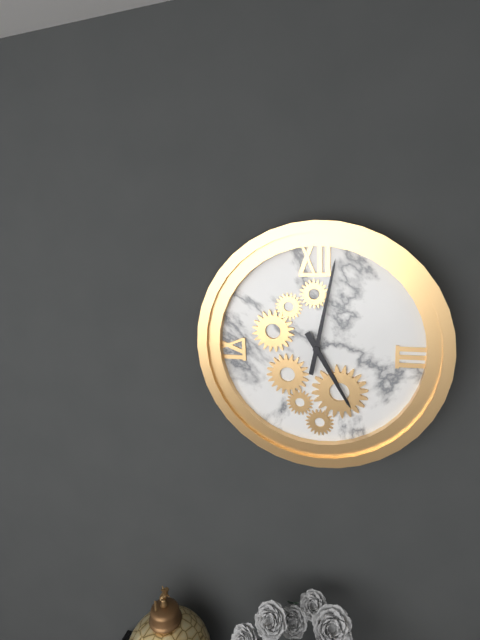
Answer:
h=5 m=2
